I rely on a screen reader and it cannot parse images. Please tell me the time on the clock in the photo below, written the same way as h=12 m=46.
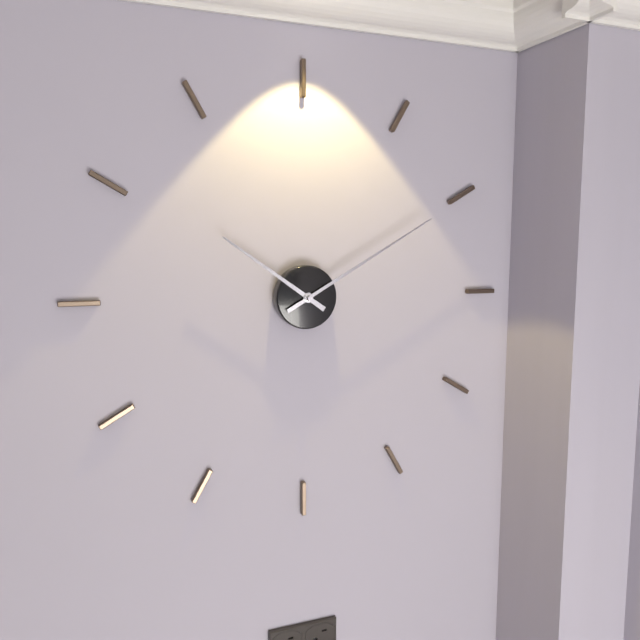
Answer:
h=10 m=10
